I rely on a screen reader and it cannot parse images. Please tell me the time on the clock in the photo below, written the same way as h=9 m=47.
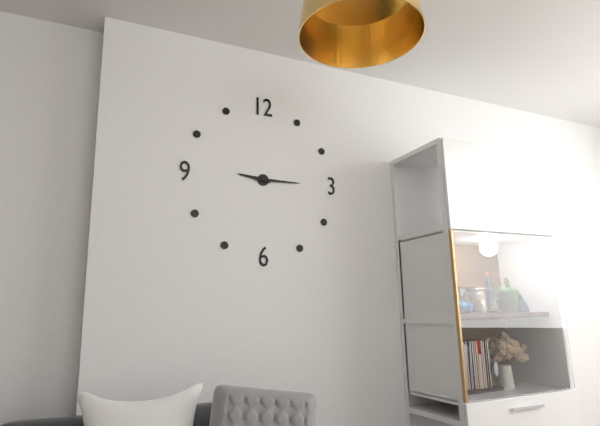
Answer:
h=9 m=15
